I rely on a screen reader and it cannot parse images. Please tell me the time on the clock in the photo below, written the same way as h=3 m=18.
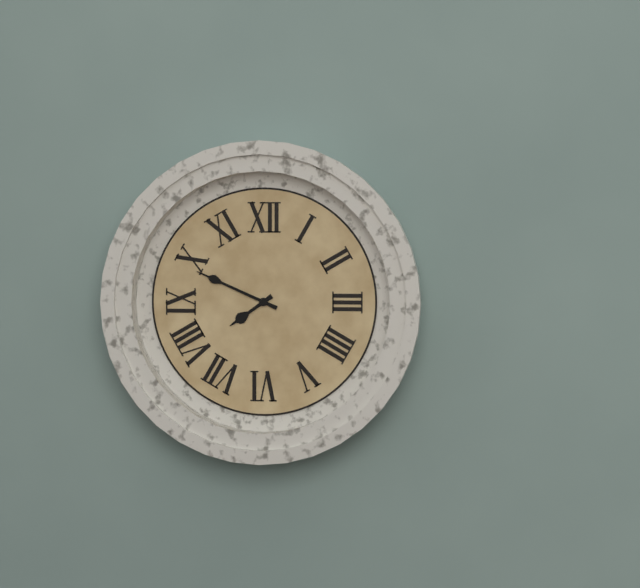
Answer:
h=7 m=49
